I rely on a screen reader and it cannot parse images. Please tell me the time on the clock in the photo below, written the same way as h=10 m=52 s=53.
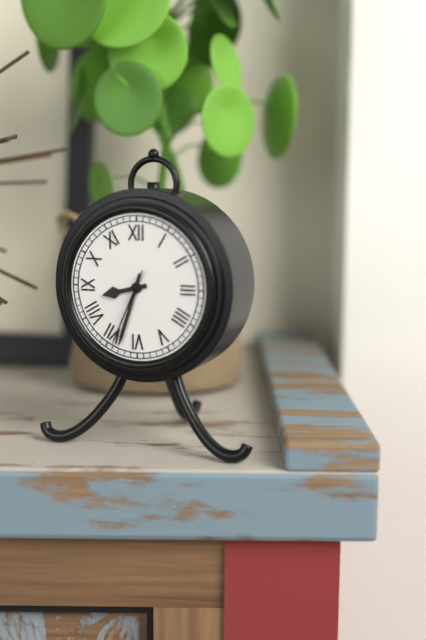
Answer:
h=8 m=33 s=34
